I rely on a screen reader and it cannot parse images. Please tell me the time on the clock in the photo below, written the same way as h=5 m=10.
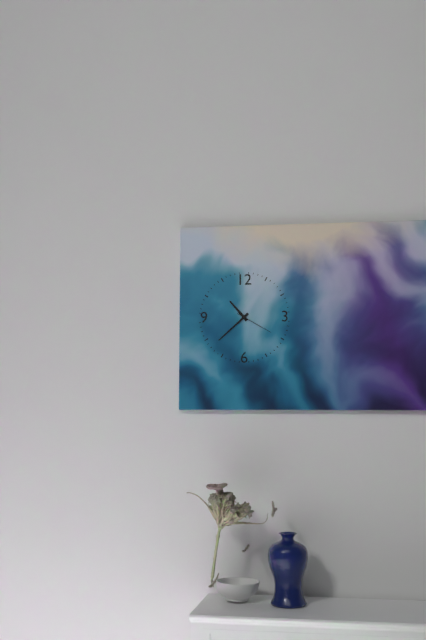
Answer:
h=10 m=38
